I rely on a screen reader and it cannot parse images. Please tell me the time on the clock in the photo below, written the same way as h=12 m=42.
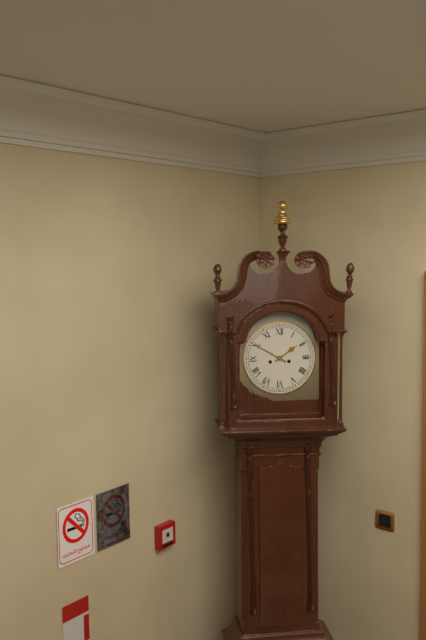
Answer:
h=1 m=50
